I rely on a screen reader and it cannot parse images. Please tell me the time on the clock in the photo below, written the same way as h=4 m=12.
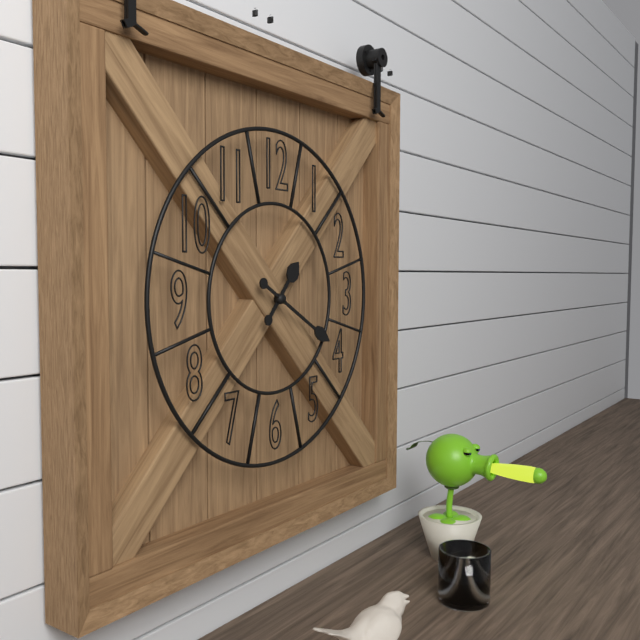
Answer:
h=1 m=20
